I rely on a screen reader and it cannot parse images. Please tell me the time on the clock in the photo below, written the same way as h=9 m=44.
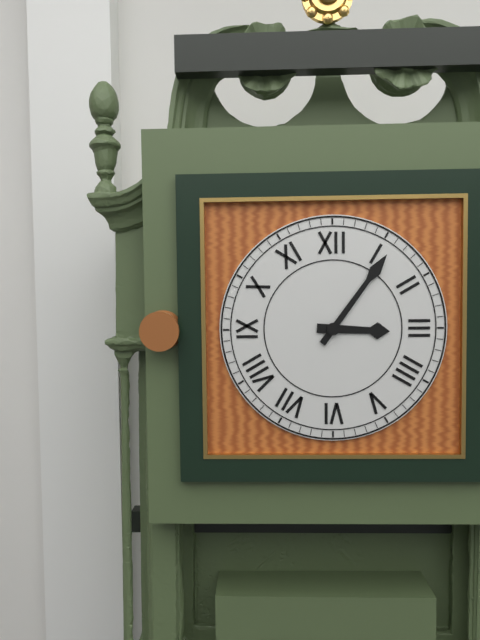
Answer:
h=3 m=6
